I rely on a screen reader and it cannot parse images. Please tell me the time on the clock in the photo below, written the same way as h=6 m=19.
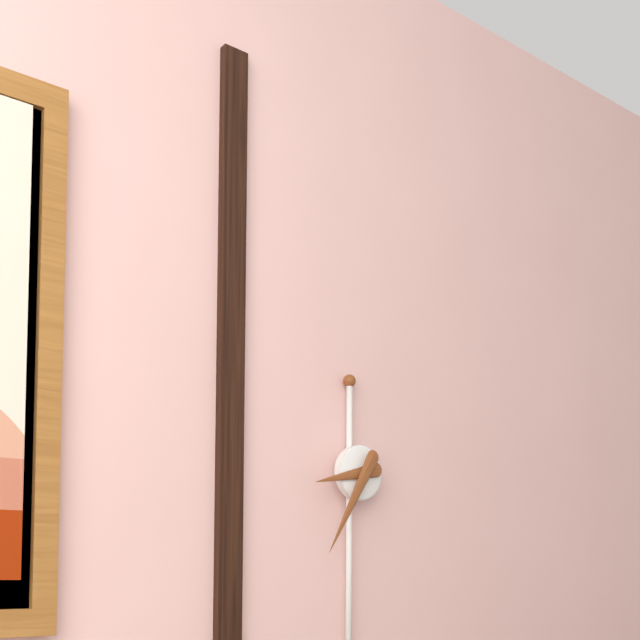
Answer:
h=8 m=35
